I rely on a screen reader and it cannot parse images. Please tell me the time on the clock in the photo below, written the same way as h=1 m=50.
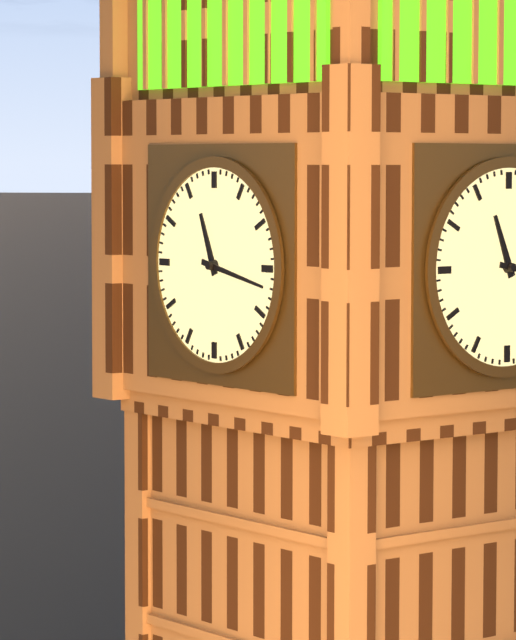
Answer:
h=11 m=17
